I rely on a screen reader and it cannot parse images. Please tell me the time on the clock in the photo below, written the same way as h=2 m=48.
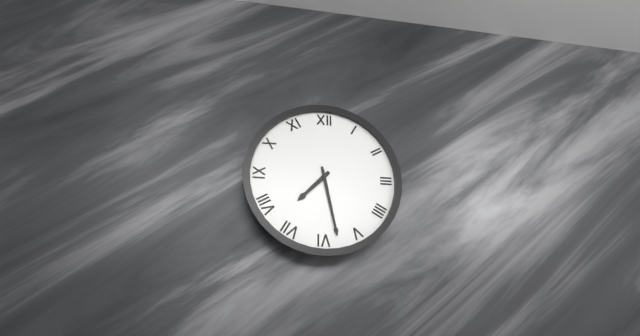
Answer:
h=7 m=28
